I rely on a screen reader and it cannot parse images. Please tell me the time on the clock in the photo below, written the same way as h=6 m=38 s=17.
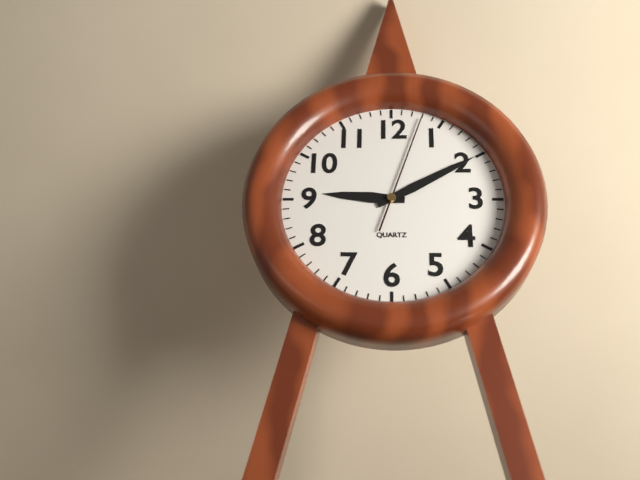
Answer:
h=9 m=10 s=3
